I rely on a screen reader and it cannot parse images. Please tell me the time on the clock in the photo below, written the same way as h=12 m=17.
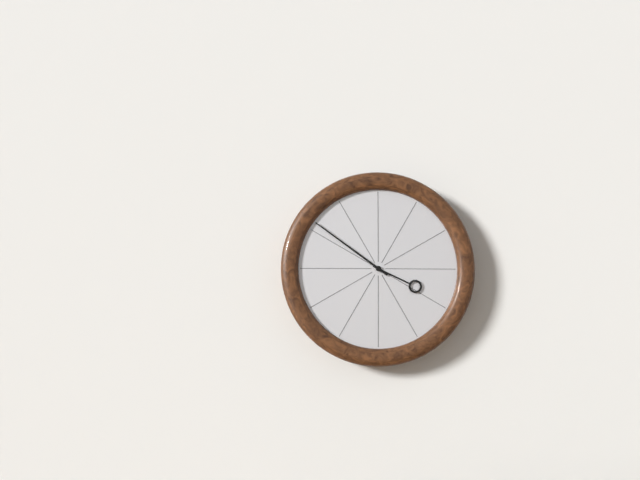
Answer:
h=3 m=51
